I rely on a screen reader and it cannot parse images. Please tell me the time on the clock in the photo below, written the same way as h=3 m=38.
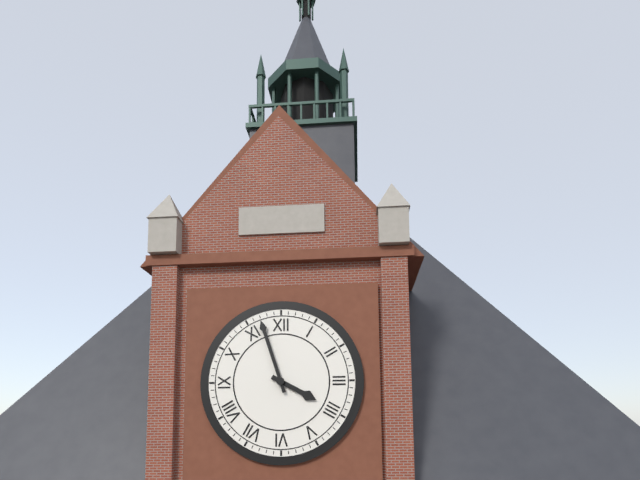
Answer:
h=3 m=57
